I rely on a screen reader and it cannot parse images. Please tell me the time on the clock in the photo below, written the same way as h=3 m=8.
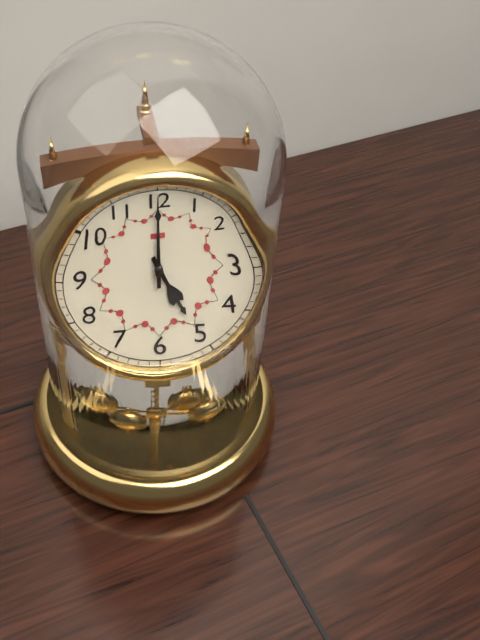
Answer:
h=5 m=0
